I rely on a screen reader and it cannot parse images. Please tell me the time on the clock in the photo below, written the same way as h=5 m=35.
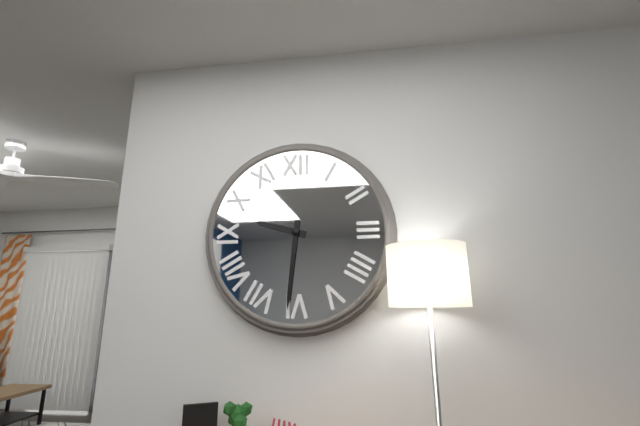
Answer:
h=9 m=31
